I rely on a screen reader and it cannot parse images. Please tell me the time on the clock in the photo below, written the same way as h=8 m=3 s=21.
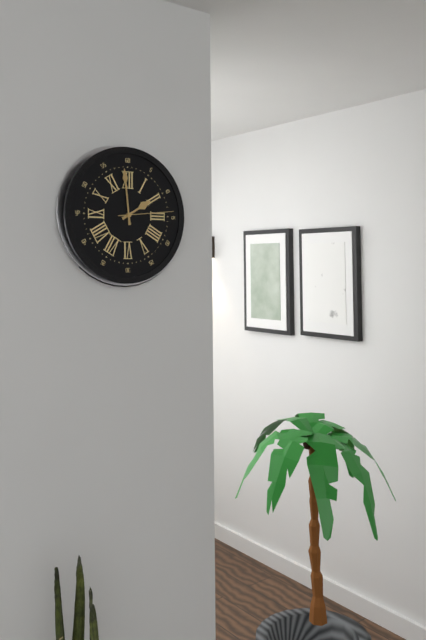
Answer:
h=1 m=59 s=14
